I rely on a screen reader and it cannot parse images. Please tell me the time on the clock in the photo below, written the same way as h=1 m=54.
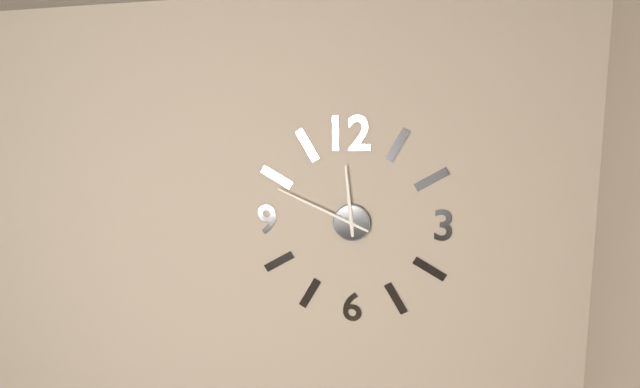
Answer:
h=11 m=49
